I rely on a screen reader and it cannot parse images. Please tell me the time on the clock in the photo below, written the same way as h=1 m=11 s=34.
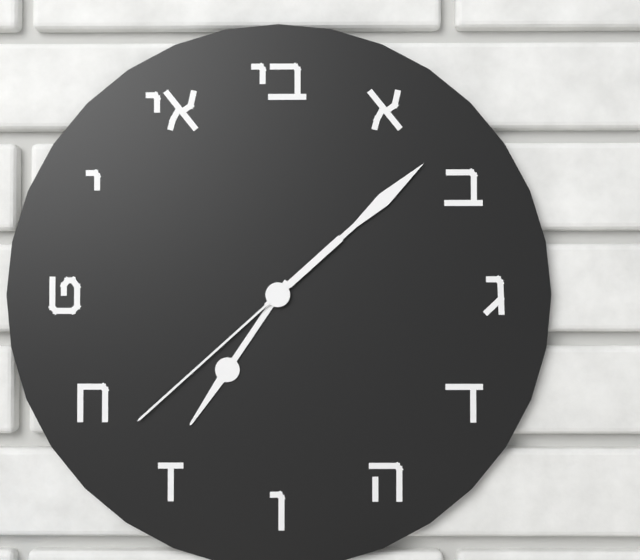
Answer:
h=7 m=8 s=38
